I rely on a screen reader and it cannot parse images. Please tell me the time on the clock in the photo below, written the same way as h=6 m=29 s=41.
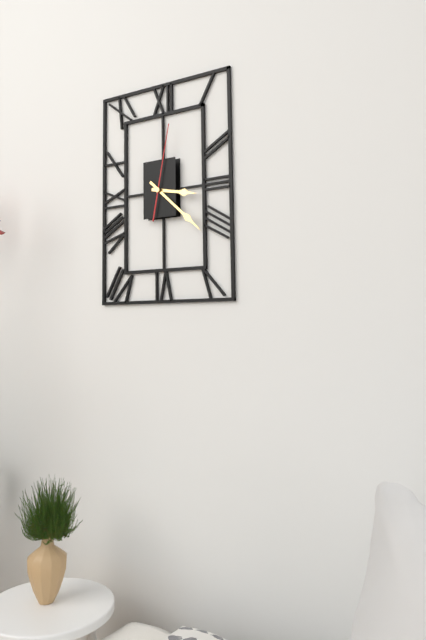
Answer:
h=3 m=22 s=2
